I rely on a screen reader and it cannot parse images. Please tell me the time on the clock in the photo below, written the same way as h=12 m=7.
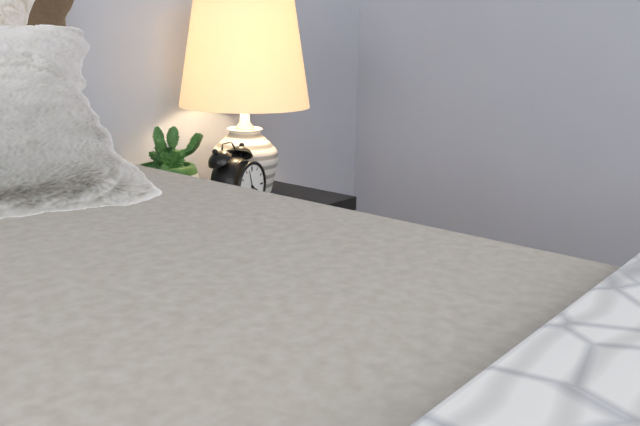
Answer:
h=3 m=57
